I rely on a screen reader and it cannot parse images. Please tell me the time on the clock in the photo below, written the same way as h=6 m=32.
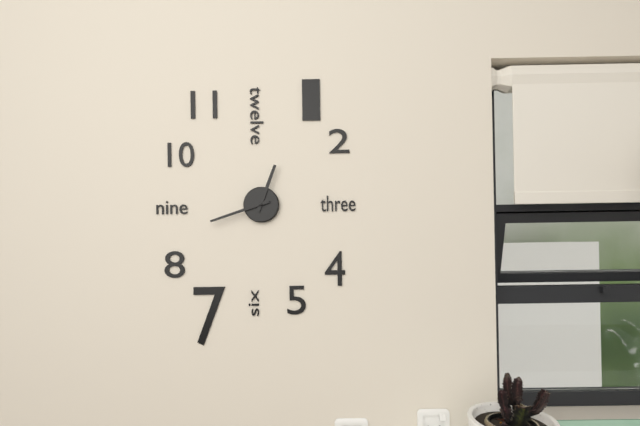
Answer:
h=12 m=42
